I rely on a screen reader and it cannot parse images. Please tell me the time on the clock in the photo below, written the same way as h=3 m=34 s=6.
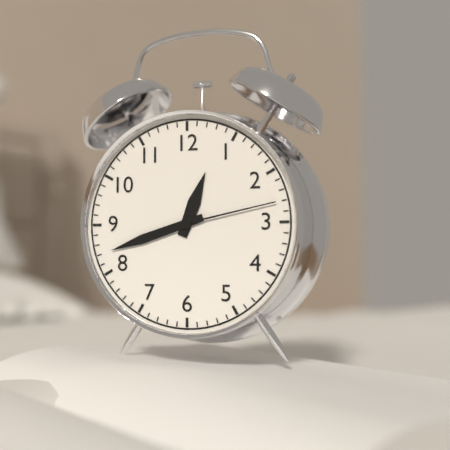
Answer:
h=12 m=42 s=13
